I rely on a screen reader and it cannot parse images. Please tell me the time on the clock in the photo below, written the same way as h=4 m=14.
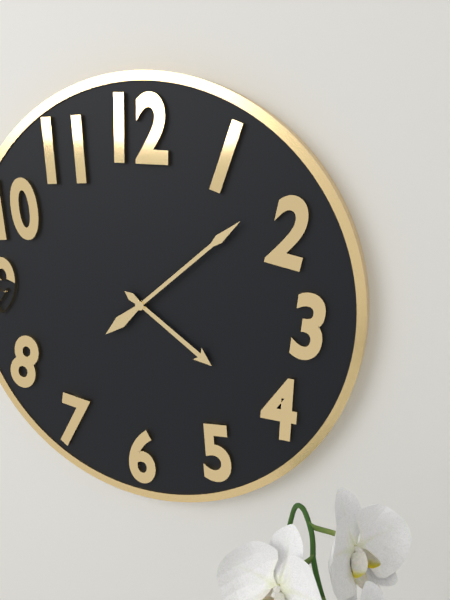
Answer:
h=4 m=8
